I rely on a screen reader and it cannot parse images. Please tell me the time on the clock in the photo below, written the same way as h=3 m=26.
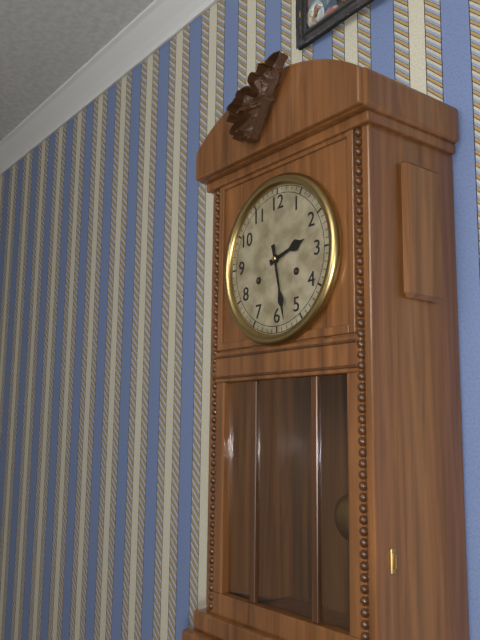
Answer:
h=2 m=28
